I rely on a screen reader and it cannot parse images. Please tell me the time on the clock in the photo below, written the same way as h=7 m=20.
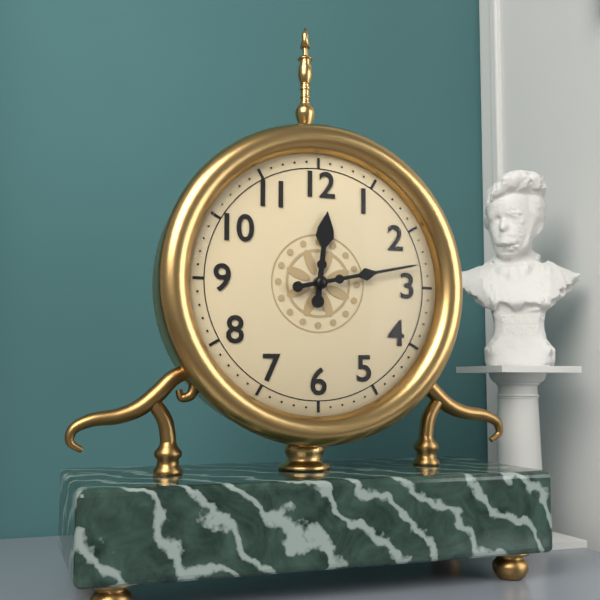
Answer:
h=12 m=13
